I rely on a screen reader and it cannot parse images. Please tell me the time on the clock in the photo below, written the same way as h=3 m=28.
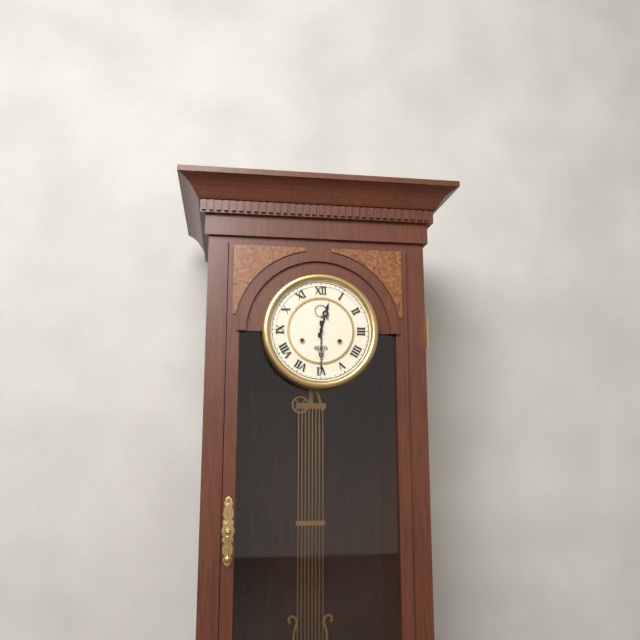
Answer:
h=12 m=30
